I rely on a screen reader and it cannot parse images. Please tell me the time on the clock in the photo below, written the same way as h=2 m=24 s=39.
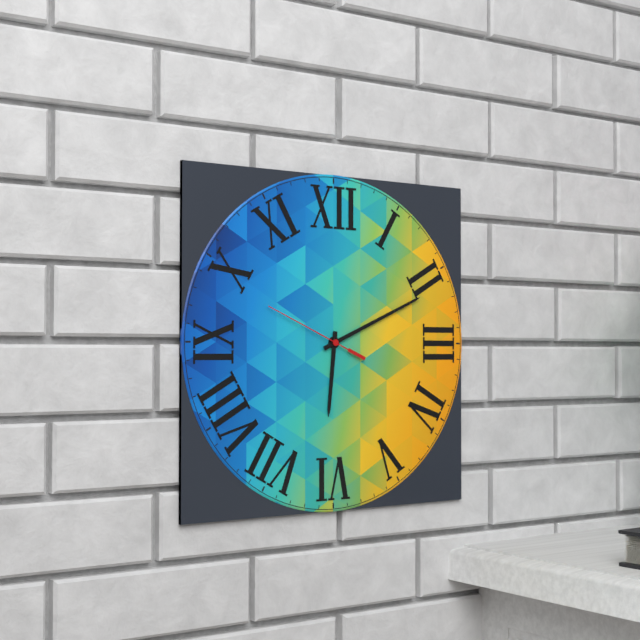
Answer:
h=6 m=11 s=49
